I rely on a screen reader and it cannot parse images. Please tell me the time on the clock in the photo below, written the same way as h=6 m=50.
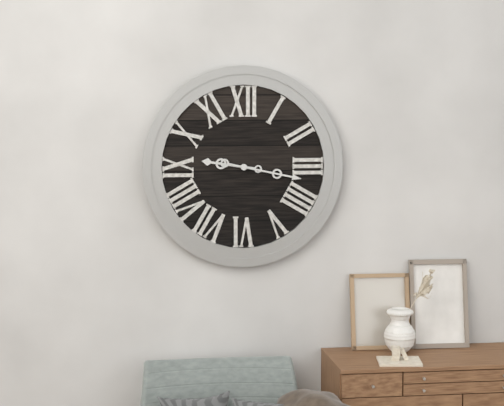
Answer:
h=9 m=17
